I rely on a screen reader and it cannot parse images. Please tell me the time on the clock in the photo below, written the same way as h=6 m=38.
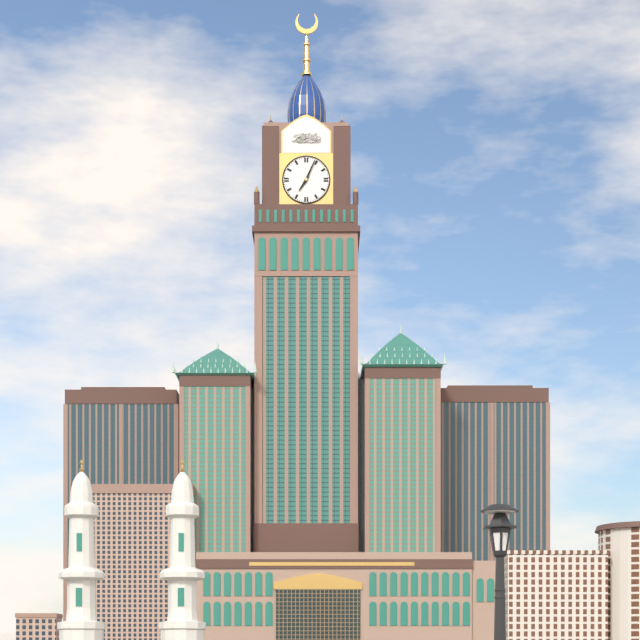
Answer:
h=7 m=4
